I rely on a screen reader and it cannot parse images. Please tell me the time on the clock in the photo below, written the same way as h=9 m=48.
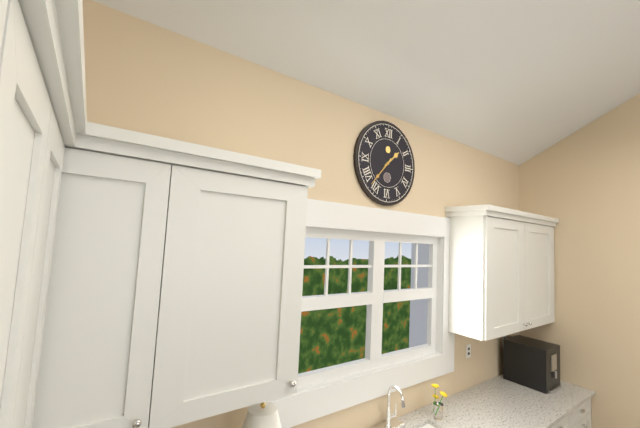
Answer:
h=1 m=37
